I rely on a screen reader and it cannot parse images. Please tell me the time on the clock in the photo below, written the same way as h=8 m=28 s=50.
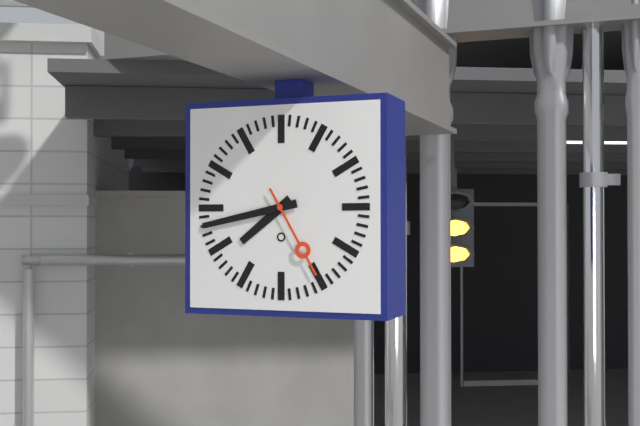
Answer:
h=7 m=43 s=25
